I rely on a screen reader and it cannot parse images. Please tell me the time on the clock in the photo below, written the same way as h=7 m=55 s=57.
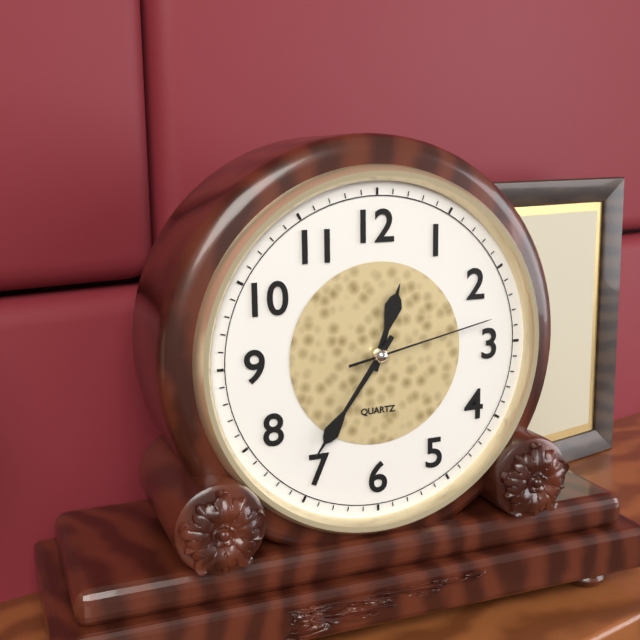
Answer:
h=12 m=36 s=13
